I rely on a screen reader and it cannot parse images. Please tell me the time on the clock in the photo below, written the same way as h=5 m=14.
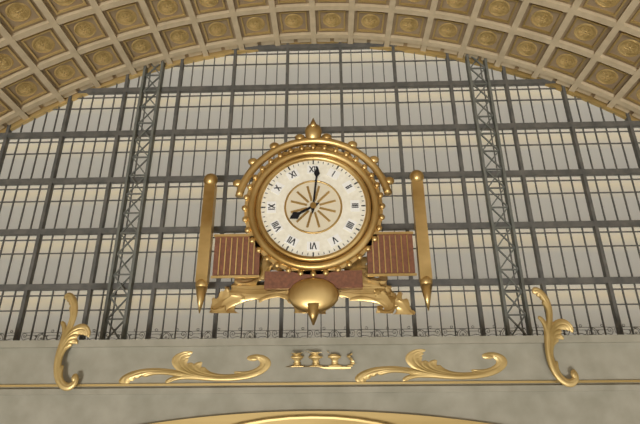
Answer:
h=8 m=1
